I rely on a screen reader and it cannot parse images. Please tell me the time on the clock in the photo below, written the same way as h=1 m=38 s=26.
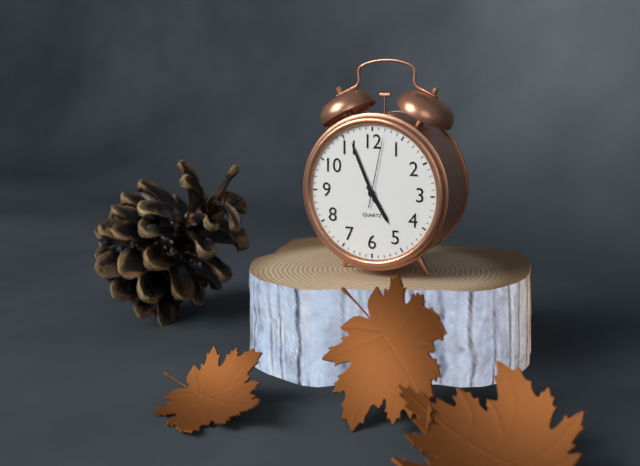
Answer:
h=4 m=56 s=2
